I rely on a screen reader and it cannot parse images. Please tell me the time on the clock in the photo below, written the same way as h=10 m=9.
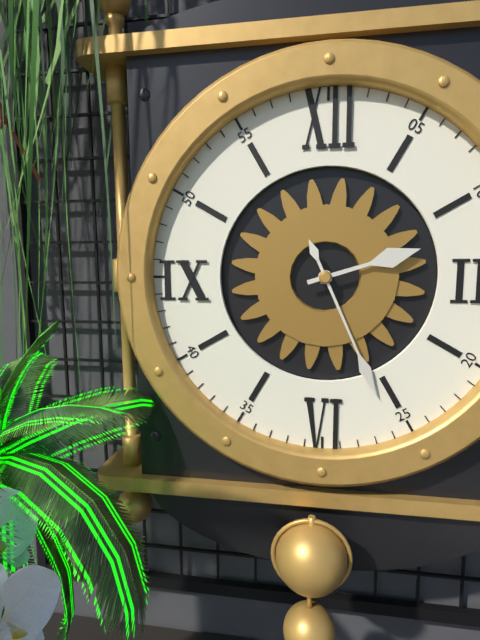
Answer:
h=2 m=26
